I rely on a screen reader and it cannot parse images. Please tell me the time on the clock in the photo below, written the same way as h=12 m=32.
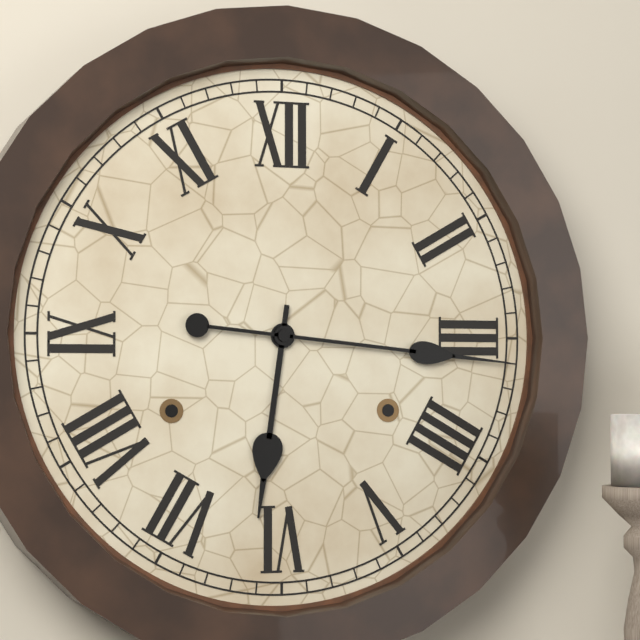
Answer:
h=6 m=16
